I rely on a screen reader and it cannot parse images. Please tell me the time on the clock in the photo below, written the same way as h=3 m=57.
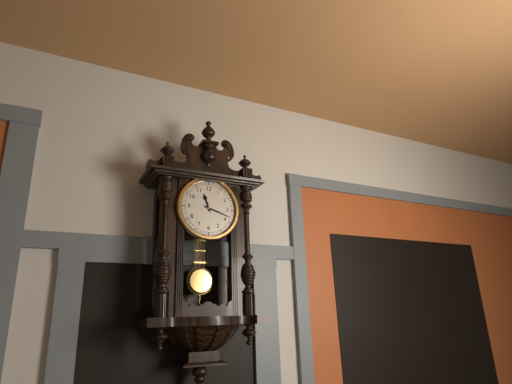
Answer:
h=11 m=18
